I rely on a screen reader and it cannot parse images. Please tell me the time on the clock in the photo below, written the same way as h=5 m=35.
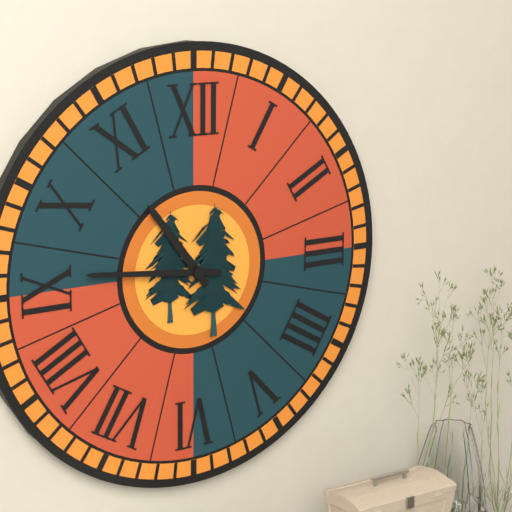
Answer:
h=10 m=46
